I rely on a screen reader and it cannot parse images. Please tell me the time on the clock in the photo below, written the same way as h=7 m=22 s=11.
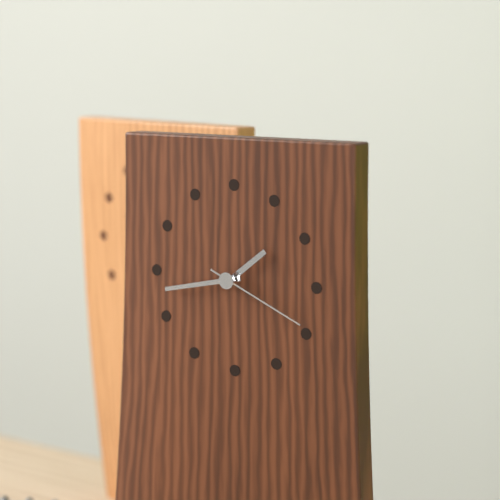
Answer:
h=1 m=43 s=19
